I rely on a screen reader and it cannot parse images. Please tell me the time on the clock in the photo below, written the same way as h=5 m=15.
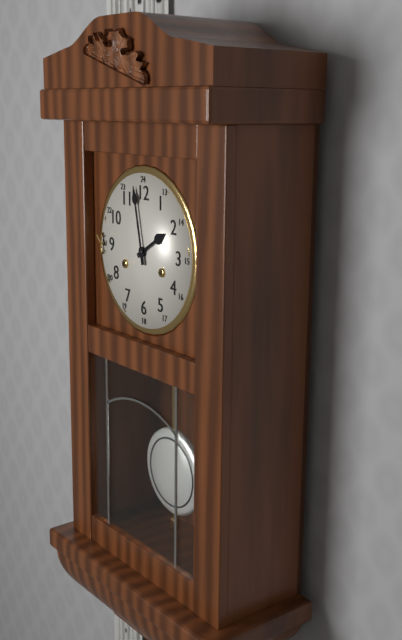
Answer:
h=1 m=58
